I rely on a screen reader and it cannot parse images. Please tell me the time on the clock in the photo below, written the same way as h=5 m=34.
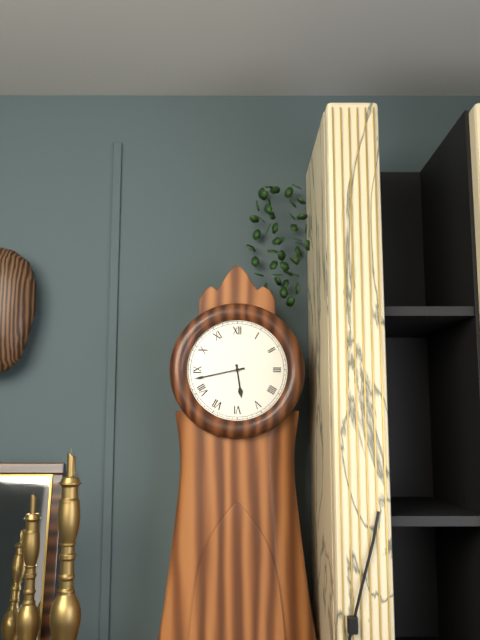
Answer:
h=5 m=43
